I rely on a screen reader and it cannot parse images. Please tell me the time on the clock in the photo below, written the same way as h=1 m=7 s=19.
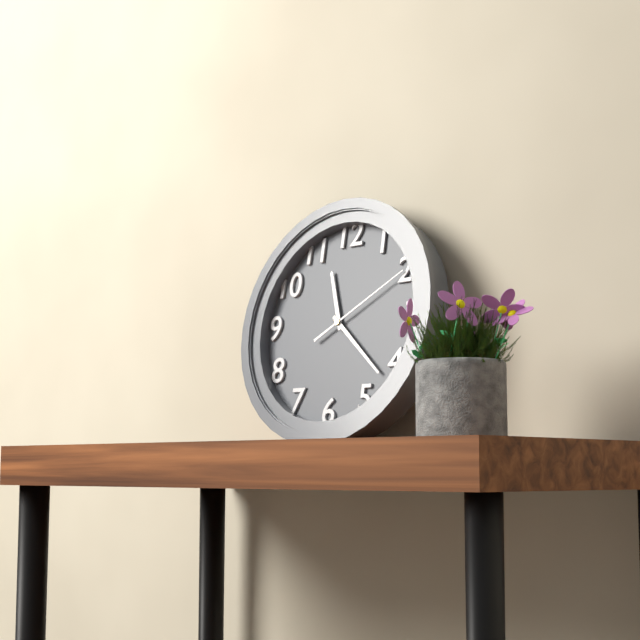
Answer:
h=11 m=22 s=10
